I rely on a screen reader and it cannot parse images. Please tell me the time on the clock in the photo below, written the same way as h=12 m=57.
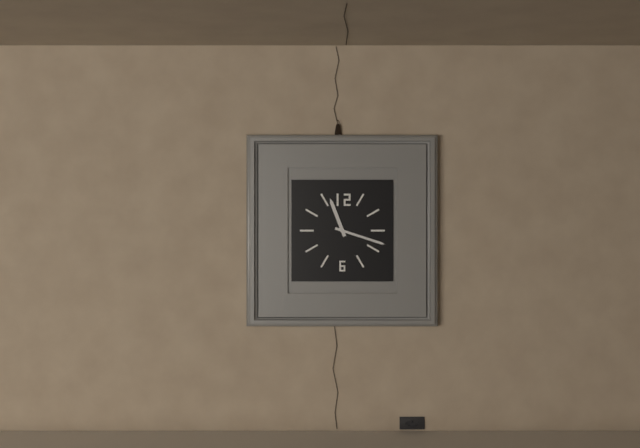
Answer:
h=11 m=18
